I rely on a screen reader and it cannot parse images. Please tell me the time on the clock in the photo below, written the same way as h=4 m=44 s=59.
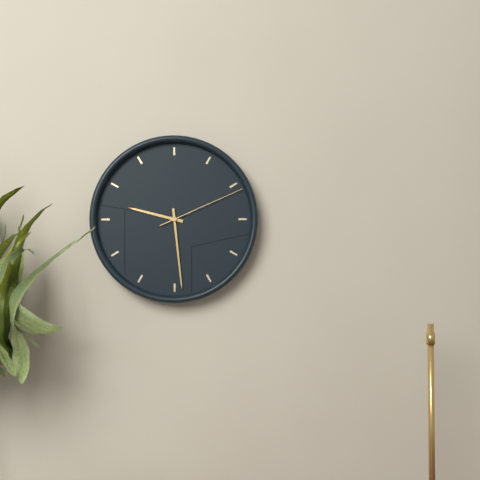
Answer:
h=9 m=29 s=11
